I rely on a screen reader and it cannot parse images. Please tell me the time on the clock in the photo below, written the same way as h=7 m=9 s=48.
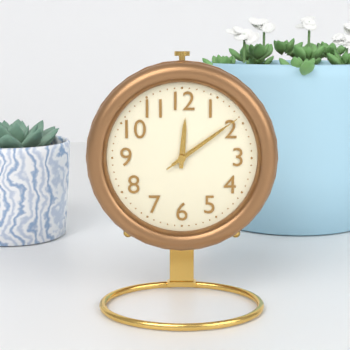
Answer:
h=12 m=9 s=9
